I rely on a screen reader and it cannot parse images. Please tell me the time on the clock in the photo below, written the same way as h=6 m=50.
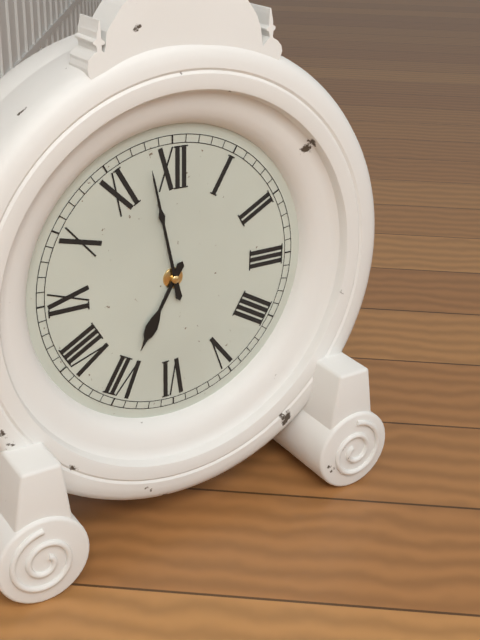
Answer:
h=6 m=58
